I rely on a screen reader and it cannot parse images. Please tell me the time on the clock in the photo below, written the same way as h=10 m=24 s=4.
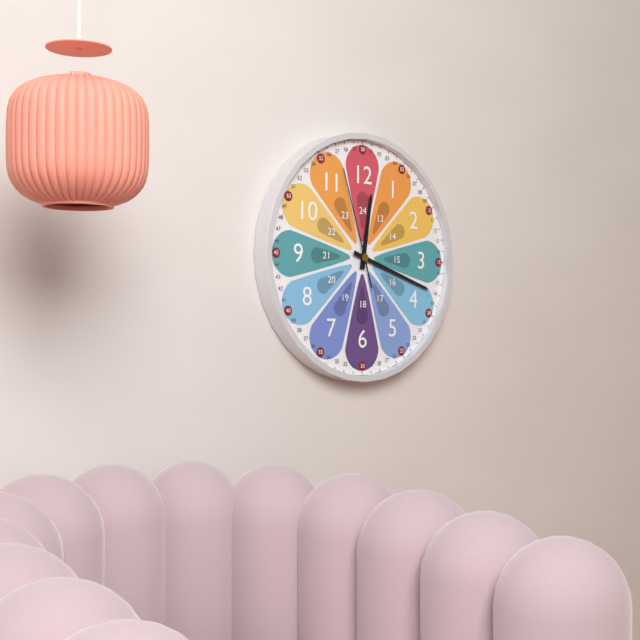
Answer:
h=12 m=18 s=57
